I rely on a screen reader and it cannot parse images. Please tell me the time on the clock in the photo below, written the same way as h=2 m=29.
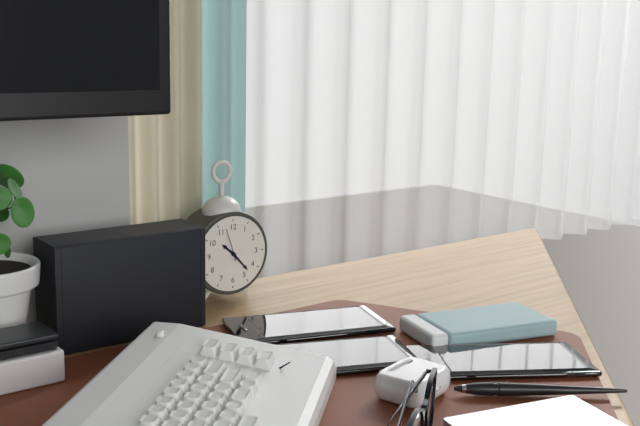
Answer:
h=10 m=23
